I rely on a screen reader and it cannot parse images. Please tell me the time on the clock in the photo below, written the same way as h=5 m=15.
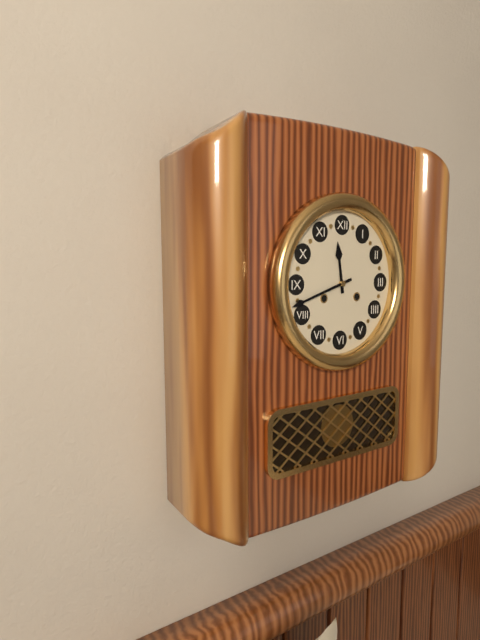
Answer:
h=11 m=42
